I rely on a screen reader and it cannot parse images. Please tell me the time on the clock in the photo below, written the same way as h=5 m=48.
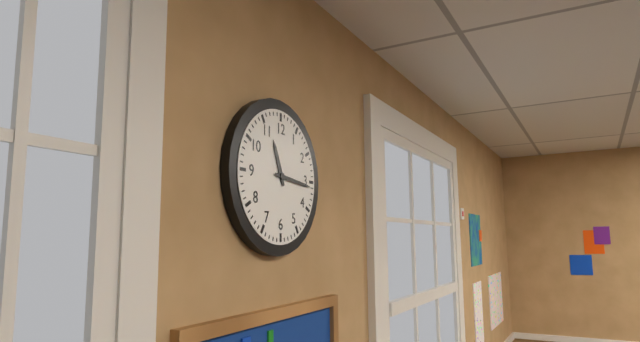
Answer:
h=11 m=16
